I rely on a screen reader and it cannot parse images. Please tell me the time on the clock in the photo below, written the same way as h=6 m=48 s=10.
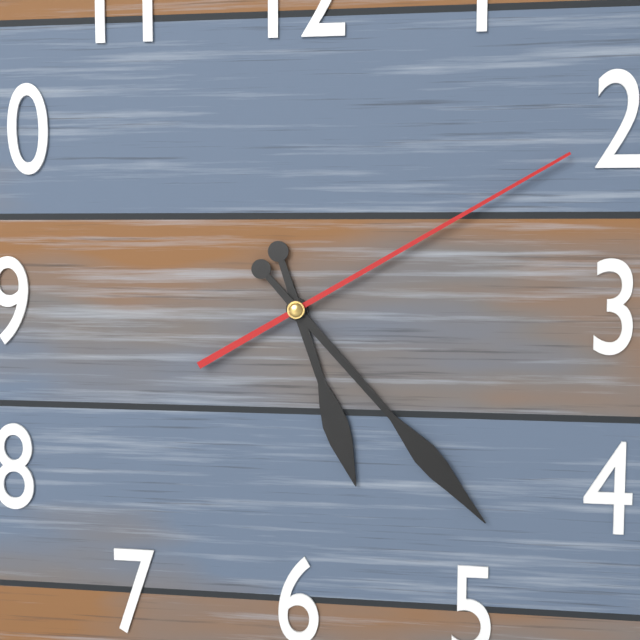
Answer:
h=5 m=23 s=10
